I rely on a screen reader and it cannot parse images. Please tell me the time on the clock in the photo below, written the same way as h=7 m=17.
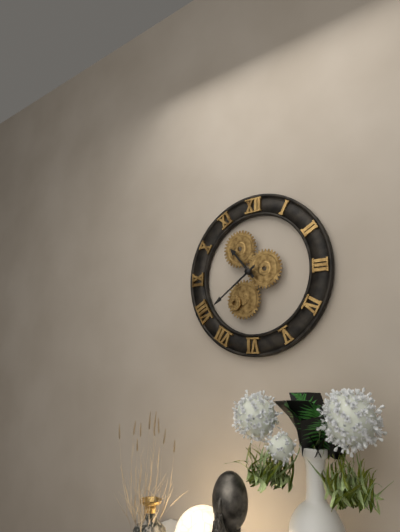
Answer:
h=10 m=39
